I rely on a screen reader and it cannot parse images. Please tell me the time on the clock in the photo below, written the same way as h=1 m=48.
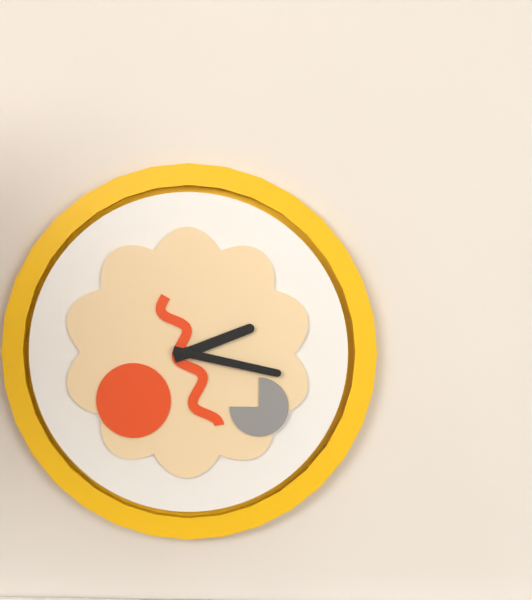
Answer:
h=2 m=17
